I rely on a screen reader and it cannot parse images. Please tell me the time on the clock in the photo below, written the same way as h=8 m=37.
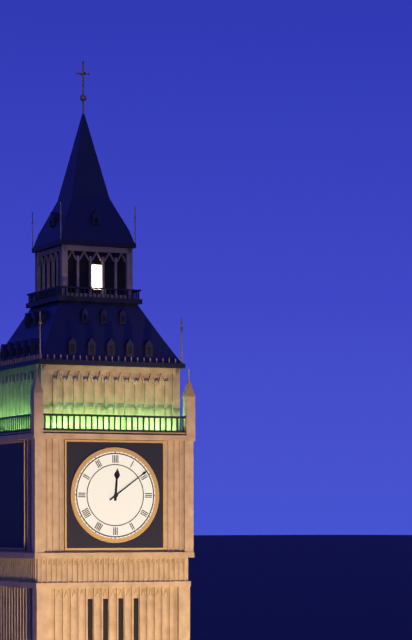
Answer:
h=12 m=9
